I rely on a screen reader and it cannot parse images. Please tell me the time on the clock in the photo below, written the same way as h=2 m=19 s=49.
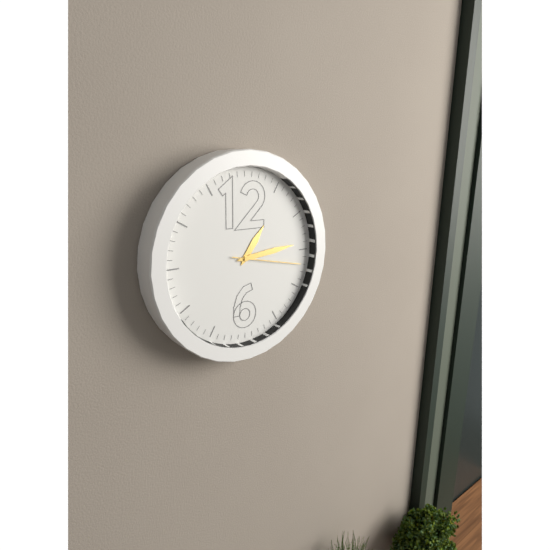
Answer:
h=1 m=14 s=17
